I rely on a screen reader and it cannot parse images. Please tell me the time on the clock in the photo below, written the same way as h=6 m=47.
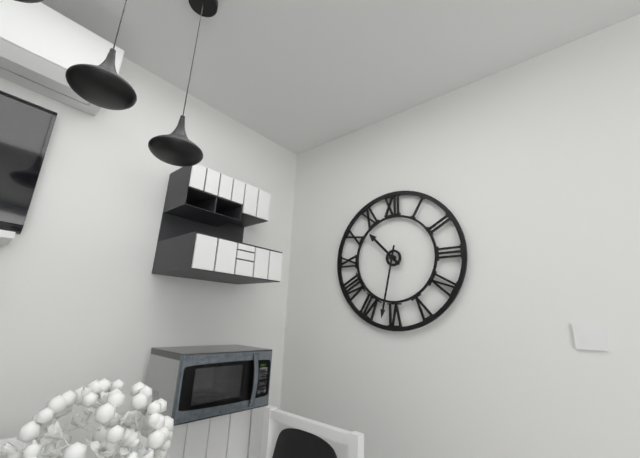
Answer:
h=10 m=32
